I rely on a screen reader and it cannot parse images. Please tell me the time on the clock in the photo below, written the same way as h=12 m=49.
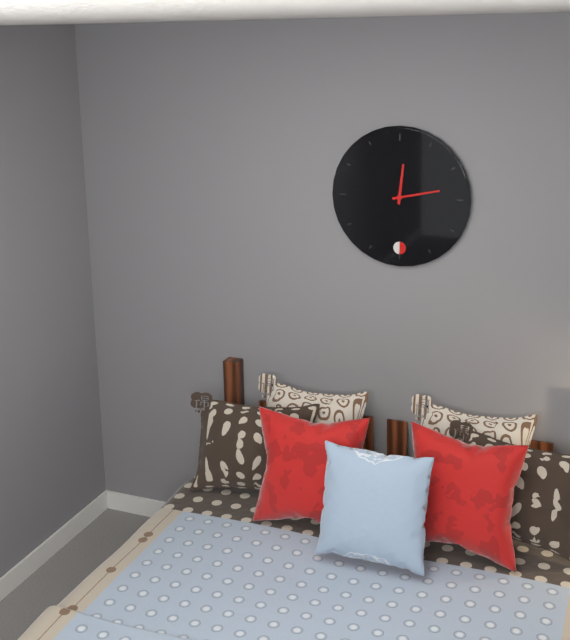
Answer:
h=12 m=13
